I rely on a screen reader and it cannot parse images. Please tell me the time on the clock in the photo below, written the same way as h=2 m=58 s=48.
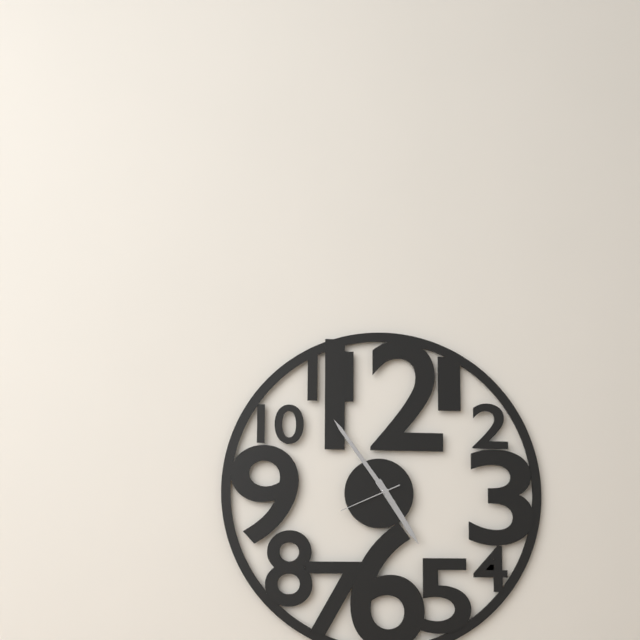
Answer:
h=4 m=54 s=41
